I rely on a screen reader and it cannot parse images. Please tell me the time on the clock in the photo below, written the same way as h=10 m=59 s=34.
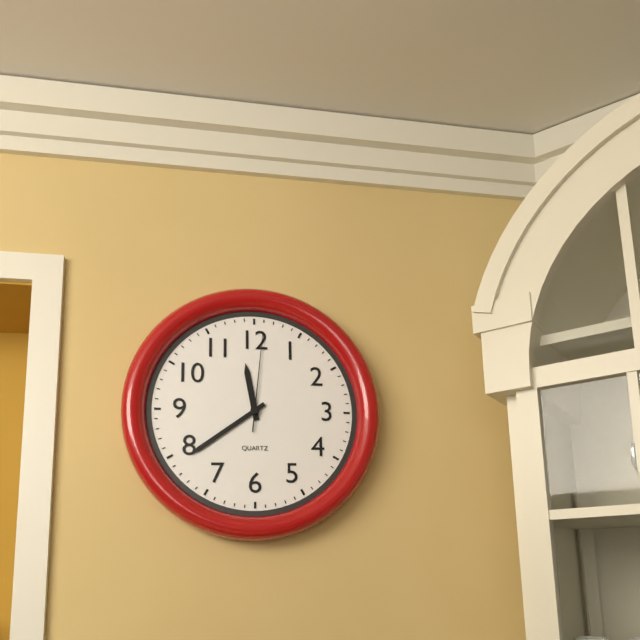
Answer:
h=11 m=39 s=1
